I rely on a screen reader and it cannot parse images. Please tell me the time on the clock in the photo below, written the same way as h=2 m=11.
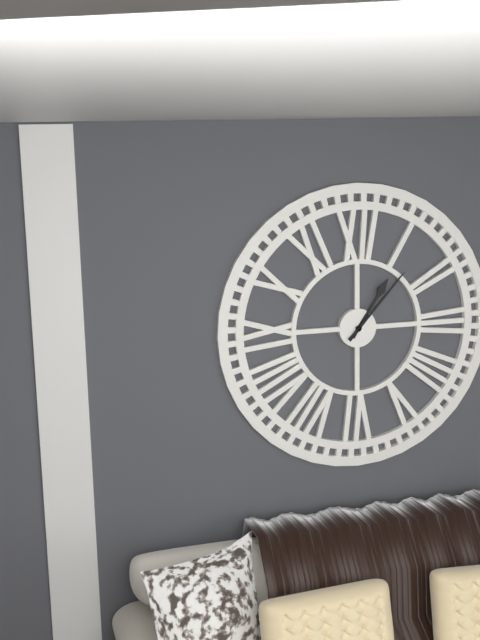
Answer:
h=1 m=7
